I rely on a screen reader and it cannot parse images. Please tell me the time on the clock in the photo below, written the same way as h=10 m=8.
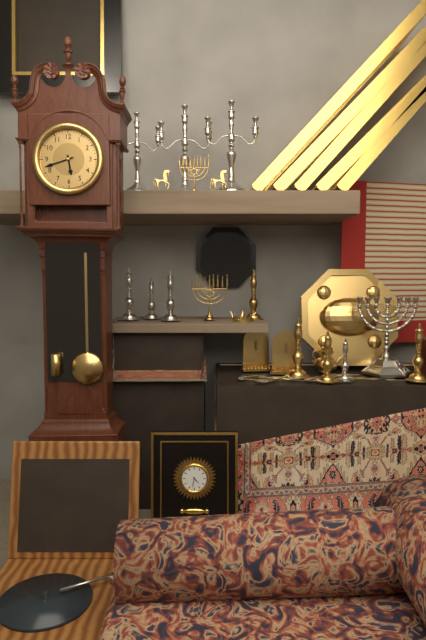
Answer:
h=5 m=42
